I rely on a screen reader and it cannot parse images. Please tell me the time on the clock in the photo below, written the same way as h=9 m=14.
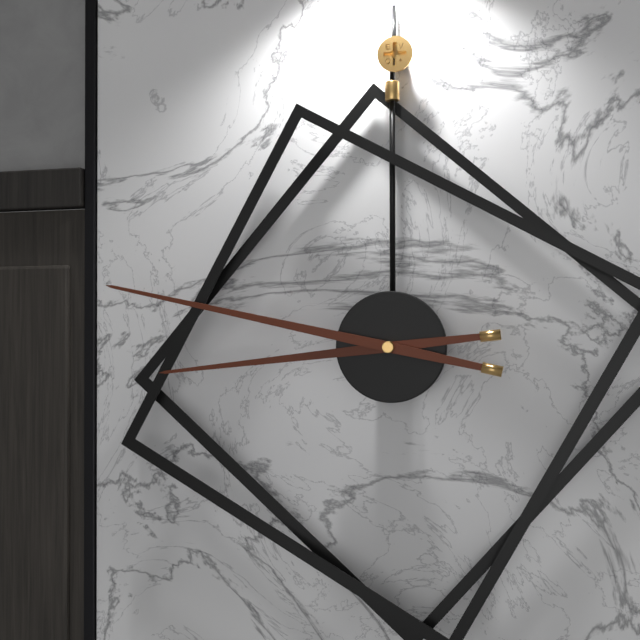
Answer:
h=8 m=47
